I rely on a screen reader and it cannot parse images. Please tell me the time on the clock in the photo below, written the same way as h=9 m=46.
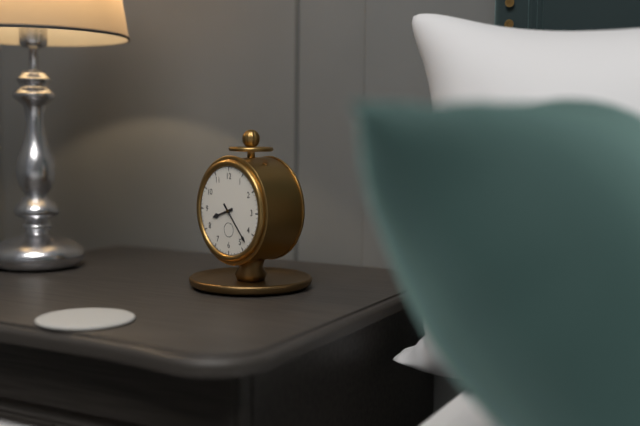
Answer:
h=8 m=23
